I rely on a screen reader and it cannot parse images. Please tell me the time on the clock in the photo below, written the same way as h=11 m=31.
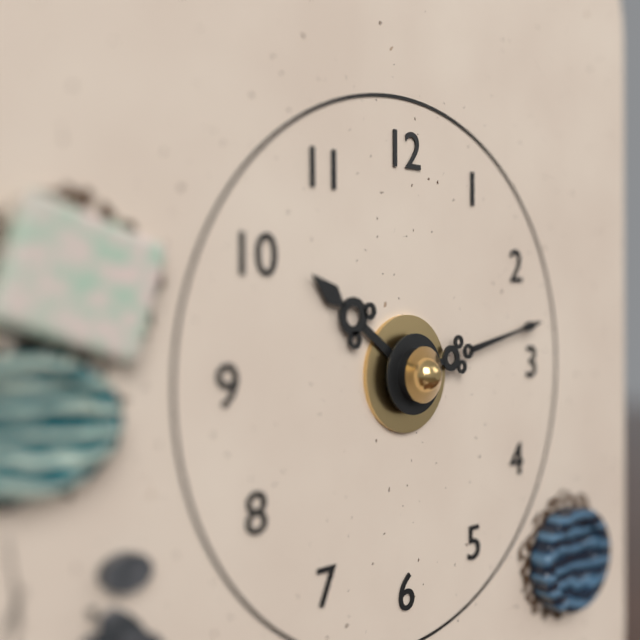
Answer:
h=10 m=13
